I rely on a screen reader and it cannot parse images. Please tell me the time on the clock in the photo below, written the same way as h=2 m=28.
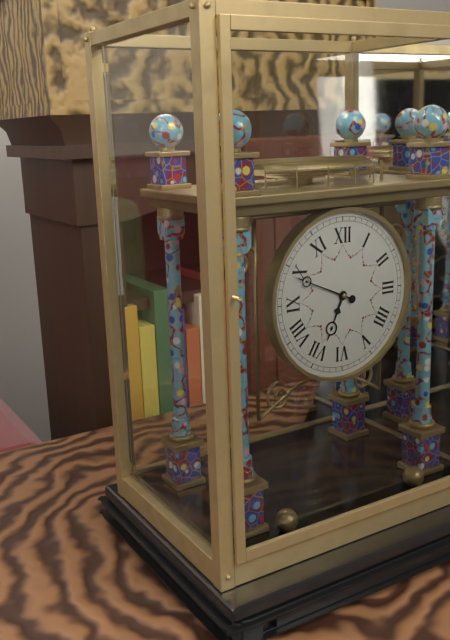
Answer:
h=6 m=49
